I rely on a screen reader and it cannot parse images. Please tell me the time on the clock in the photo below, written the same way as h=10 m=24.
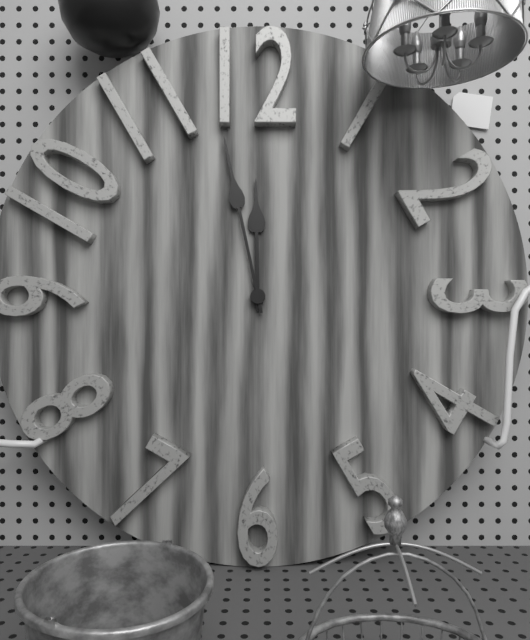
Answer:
h=11 m=58
